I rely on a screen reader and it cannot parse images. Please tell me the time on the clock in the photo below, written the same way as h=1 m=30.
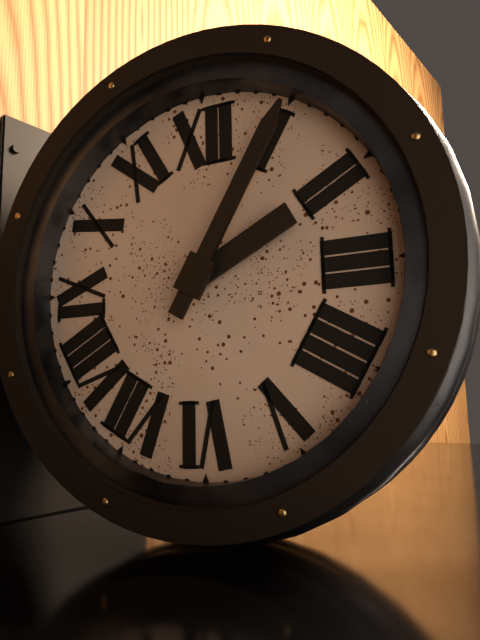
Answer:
h=2 m=5
